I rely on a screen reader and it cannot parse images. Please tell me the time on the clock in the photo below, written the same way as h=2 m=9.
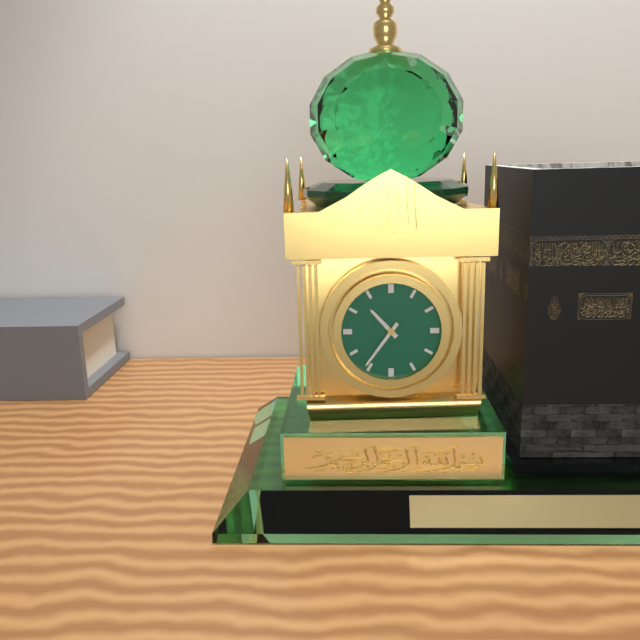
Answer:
h=10 m=36
